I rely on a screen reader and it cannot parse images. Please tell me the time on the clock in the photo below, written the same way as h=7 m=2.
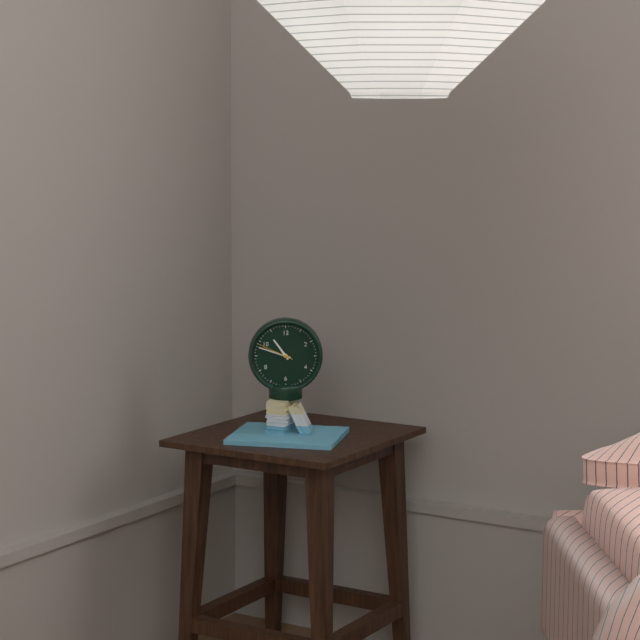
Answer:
h=10 m=48
